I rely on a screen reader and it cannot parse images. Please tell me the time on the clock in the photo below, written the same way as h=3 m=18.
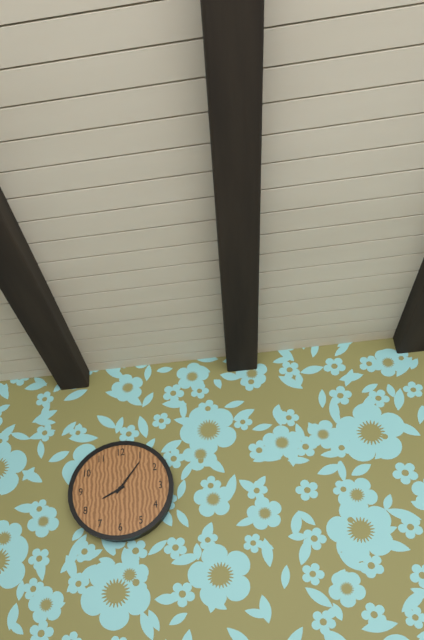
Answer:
h=8 m=6
